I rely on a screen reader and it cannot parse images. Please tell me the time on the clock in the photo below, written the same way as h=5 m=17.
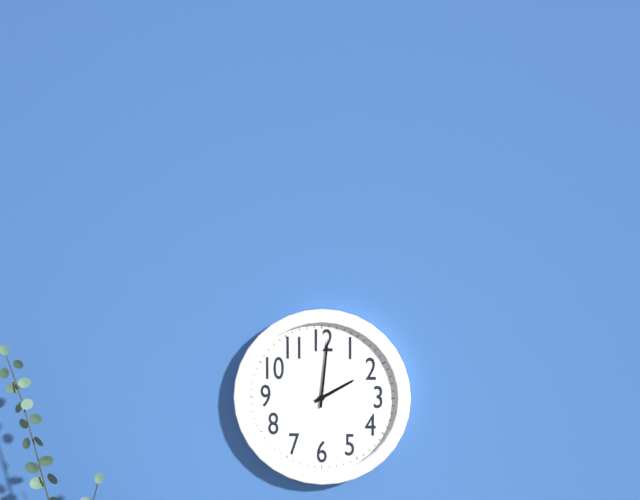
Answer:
h=2 m=1
